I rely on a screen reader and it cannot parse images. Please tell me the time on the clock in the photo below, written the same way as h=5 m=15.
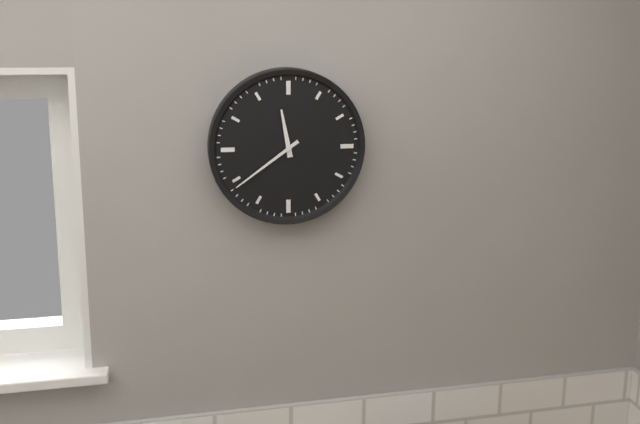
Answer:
h=11 m=39
